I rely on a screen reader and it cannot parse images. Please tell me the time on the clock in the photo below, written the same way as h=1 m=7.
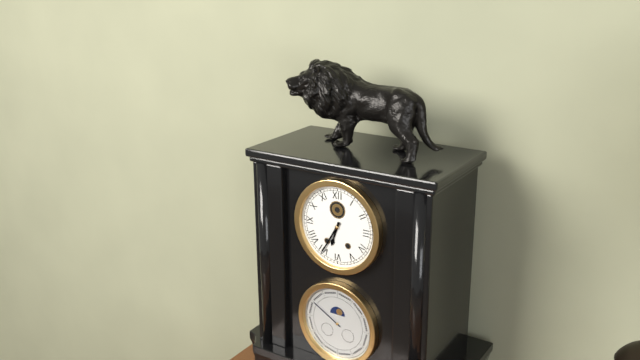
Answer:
h=6 m=35
